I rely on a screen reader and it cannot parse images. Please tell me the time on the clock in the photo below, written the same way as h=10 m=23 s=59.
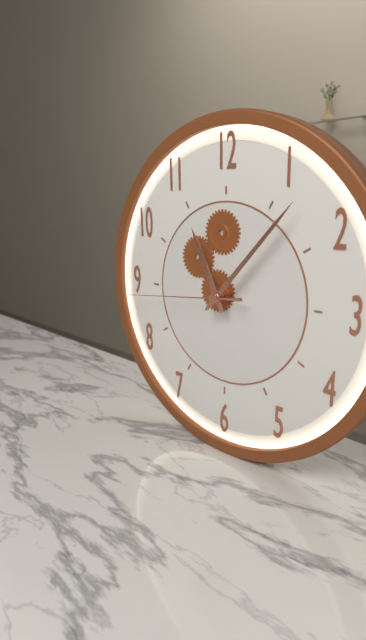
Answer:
h=11 m=7 s=44
